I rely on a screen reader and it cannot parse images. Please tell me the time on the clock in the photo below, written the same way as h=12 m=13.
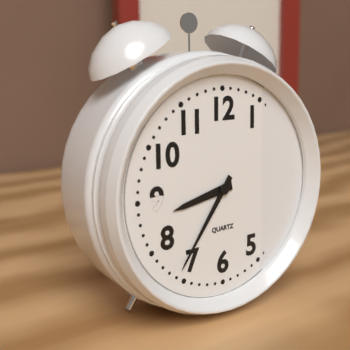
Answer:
h=8 m=36
